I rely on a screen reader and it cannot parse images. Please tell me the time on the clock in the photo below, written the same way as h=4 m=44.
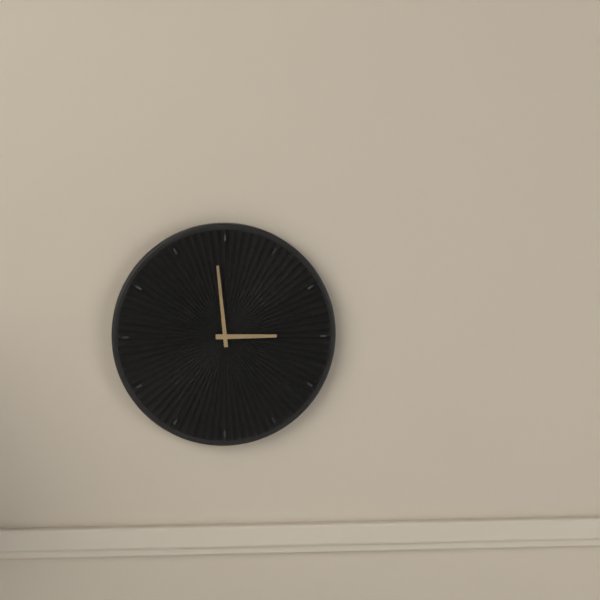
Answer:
h=2 m=59
